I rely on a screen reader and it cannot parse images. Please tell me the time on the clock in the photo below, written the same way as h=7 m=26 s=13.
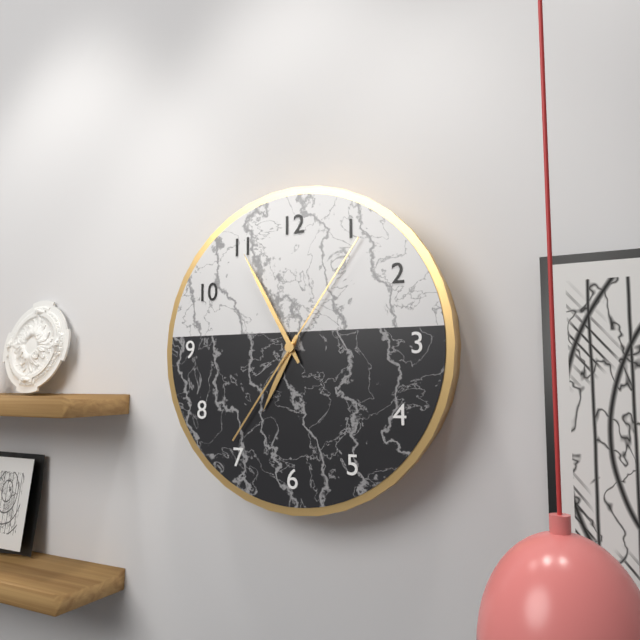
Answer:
h=6 m=55 s=6
